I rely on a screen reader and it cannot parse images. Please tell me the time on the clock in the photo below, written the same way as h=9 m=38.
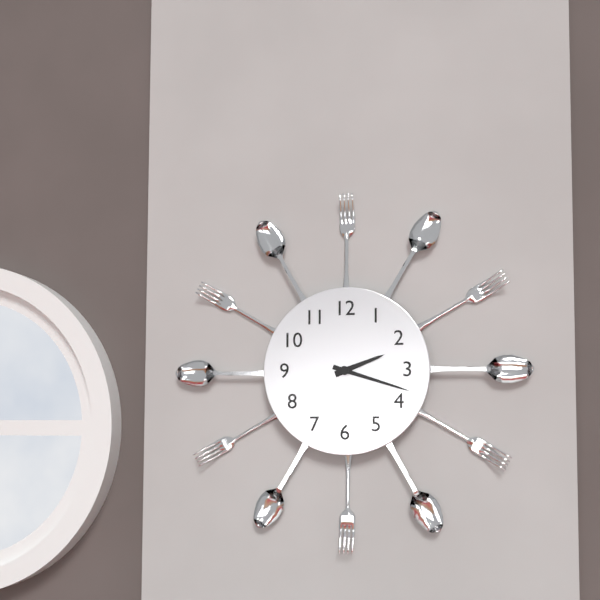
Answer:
h=2 m=18
